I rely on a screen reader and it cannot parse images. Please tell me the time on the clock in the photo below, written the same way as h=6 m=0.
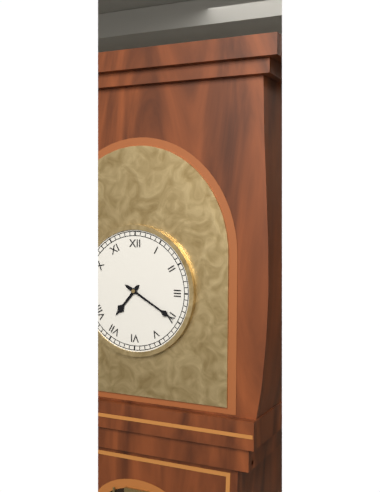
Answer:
h=7 m=20
